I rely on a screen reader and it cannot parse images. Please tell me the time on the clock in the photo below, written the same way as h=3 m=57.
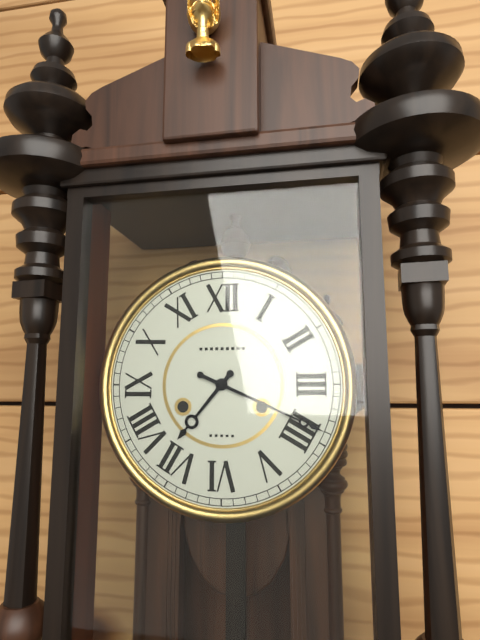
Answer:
h=7 m=19
